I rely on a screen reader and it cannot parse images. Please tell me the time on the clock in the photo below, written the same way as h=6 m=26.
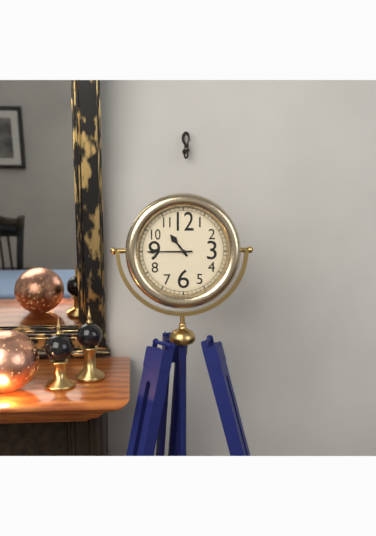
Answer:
h=10 m=45
